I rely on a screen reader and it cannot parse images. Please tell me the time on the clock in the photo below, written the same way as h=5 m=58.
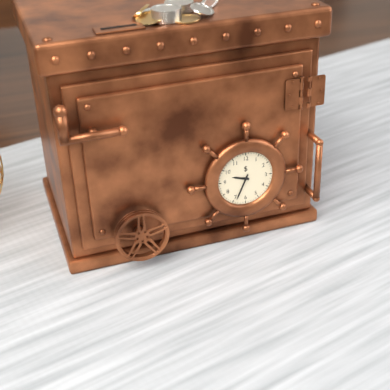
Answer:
h=9 m=34
